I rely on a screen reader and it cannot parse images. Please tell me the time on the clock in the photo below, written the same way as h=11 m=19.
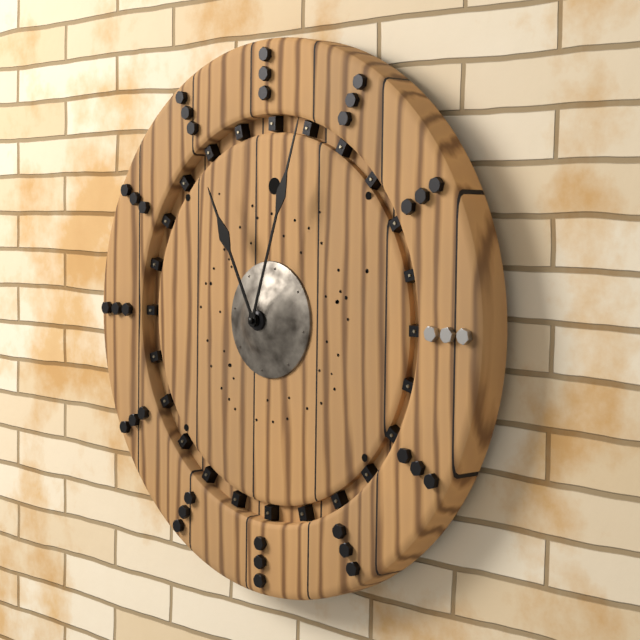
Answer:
h=11 m=3
